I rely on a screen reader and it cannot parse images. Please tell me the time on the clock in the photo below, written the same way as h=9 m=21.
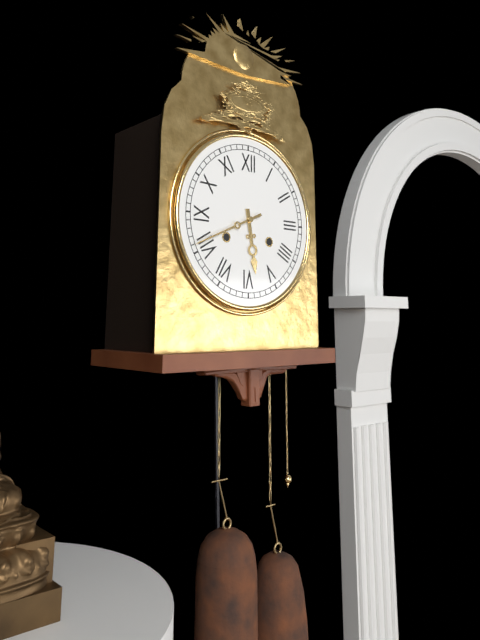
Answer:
h=5 m=41
